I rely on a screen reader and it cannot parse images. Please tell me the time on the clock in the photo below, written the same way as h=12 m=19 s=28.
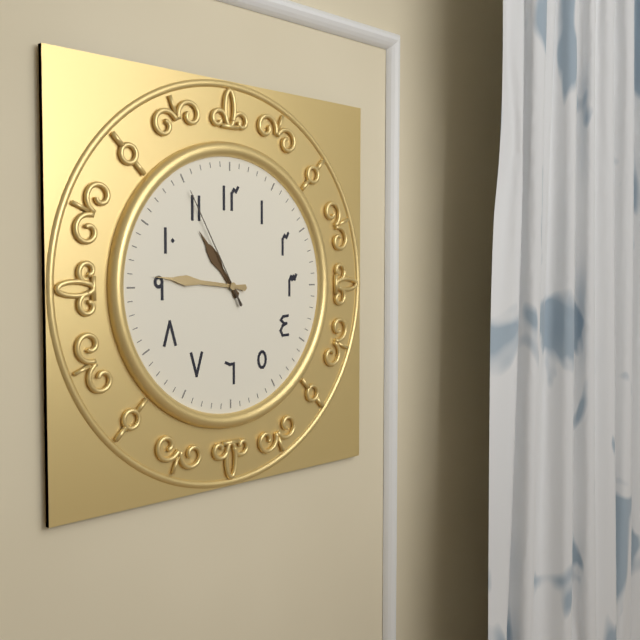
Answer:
h=10 m=46 s=55
